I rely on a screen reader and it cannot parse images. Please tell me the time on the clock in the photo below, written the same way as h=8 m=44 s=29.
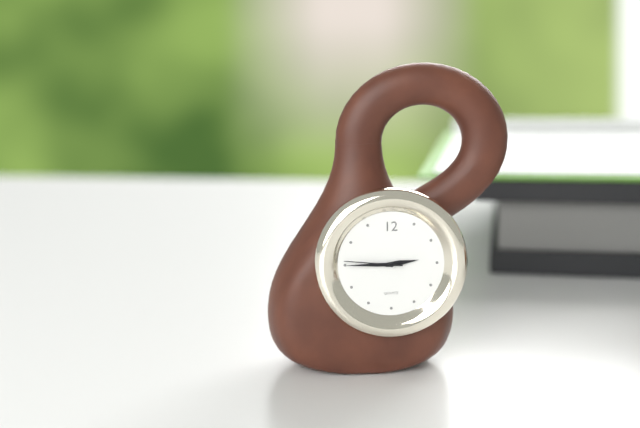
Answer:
h=2 m=45 s=46
